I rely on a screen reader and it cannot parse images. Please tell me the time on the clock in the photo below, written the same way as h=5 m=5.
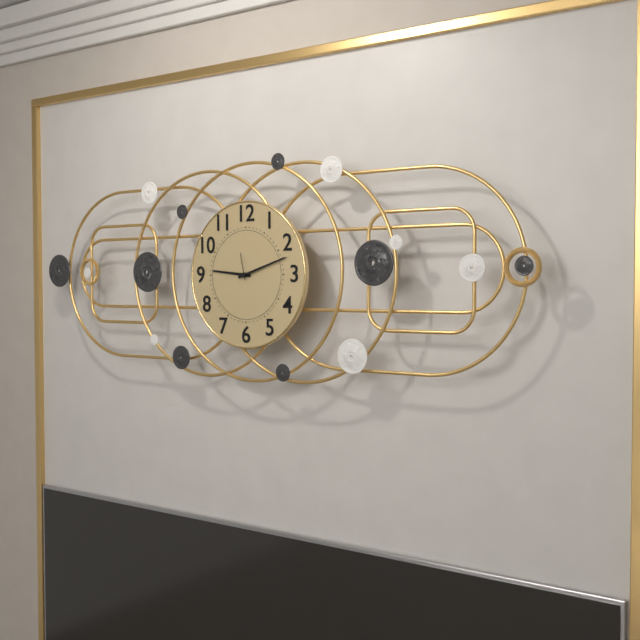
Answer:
h=9 m=12
